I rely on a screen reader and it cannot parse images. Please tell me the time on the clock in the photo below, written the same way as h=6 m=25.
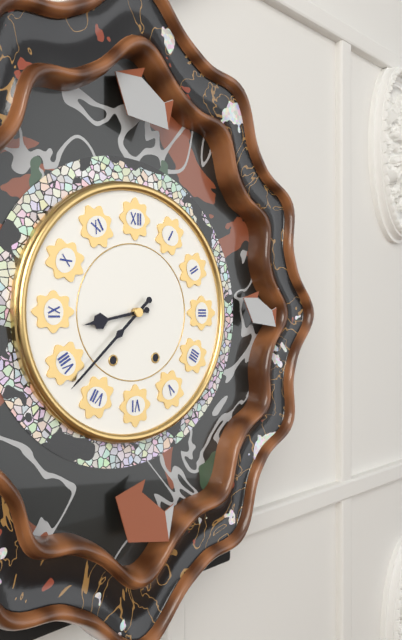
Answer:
h=8 m=38
